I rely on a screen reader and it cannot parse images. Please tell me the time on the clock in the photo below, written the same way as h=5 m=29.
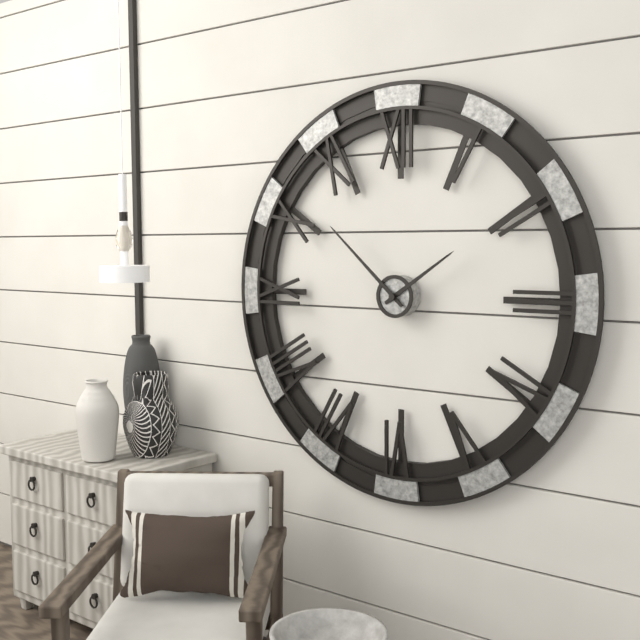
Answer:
h=1 m=52
